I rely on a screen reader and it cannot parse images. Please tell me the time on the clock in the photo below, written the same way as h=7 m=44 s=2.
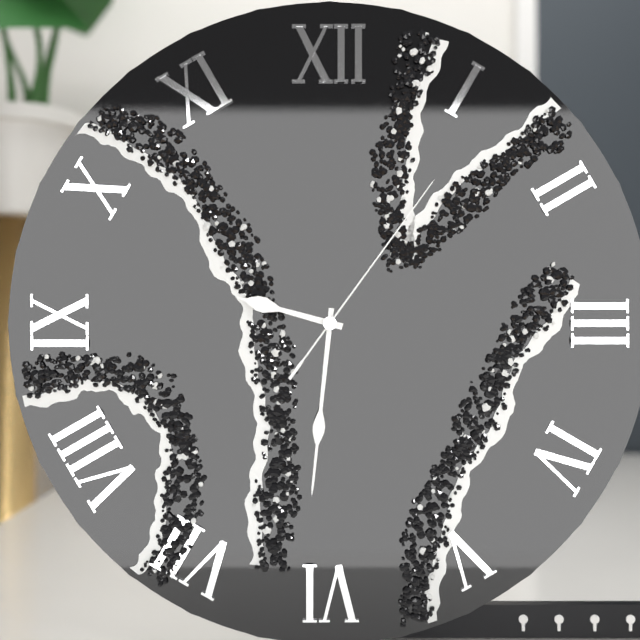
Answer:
h=9 m=31 s=6
